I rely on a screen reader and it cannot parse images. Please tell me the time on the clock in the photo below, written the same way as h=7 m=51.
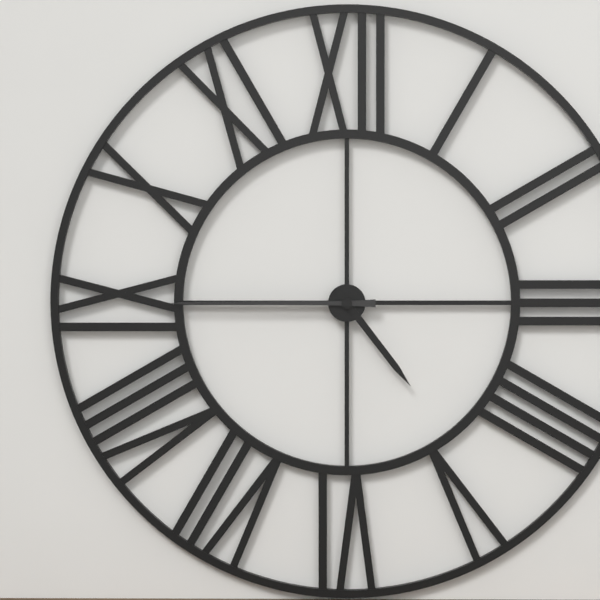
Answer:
h=4 m=45
